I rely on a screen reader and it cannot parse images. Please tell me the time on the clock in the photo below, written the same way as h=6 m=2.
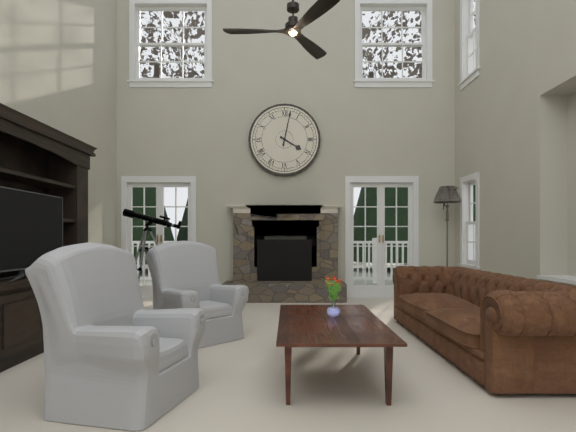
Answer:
h=4 m=2
